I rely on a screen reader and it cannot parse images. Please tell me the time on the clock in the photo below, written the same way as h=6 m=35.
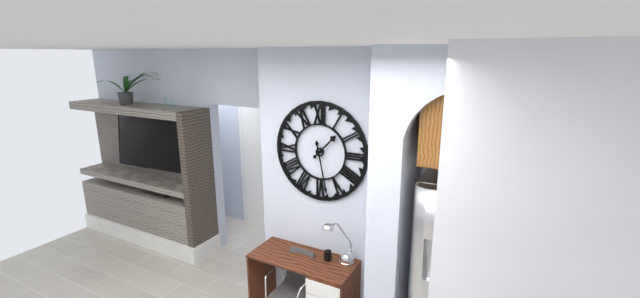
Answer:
h=1 m=28
